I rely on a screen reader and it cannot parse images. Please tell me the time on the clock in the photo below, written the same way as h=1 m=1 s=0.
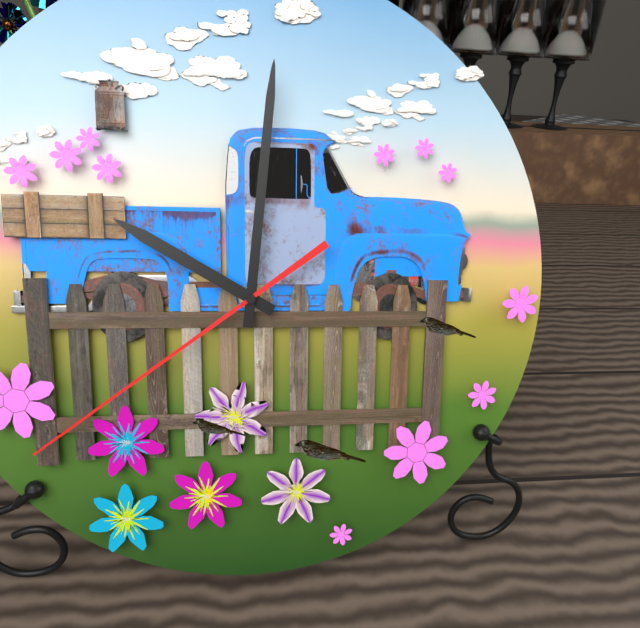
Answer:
h=10 m=1 s=39
